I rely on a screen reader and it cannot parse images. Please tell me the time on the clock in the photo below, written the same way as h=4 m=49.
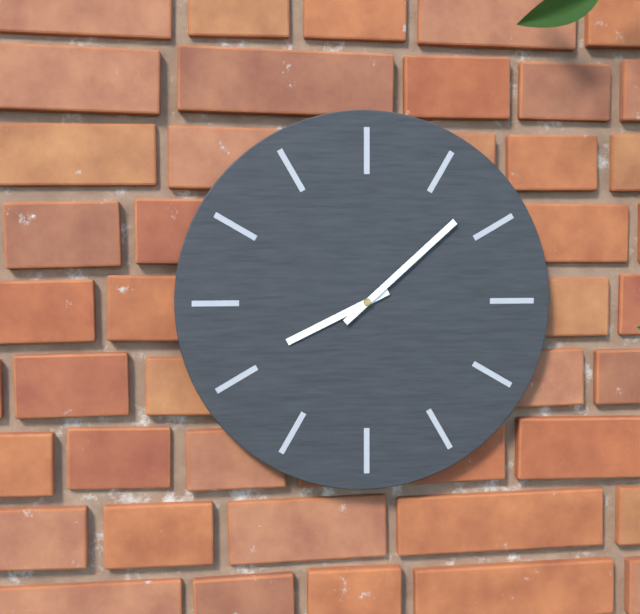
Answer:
h=8 m=8
